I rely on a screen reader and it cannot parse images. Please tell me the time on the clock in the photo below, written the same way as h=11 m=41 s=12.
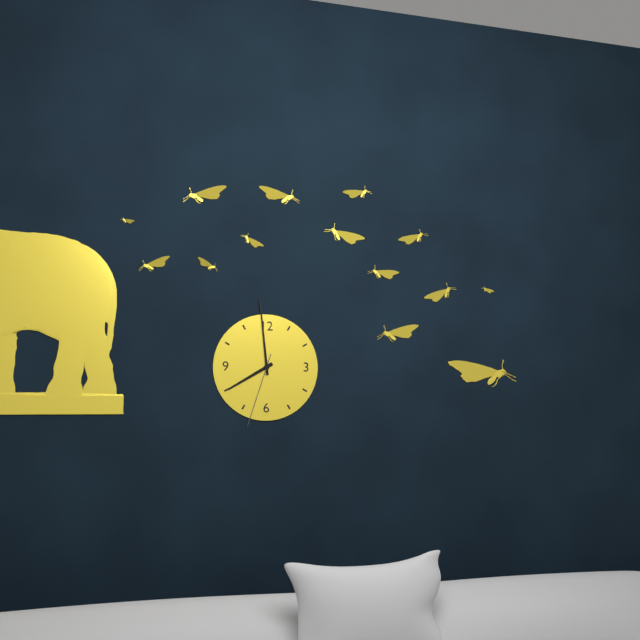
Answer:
h=7 m=59 s=33
